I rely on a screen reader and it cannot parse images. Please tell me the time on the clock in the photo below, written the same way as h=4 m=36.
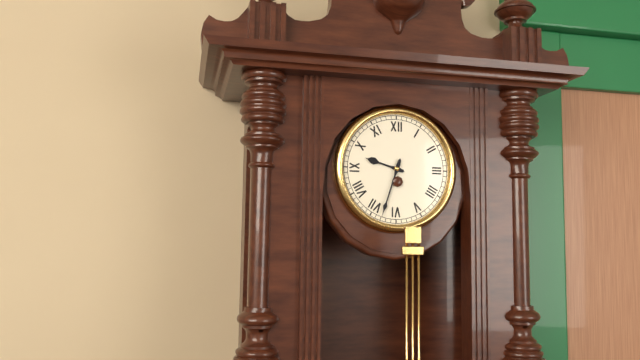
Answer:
h=9 m=33
